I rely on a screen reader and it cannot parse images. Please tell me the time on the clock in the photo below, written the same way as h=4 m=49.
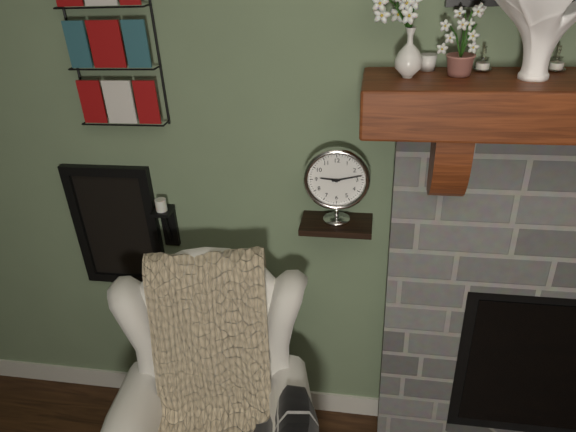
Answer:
h=9 m=13
